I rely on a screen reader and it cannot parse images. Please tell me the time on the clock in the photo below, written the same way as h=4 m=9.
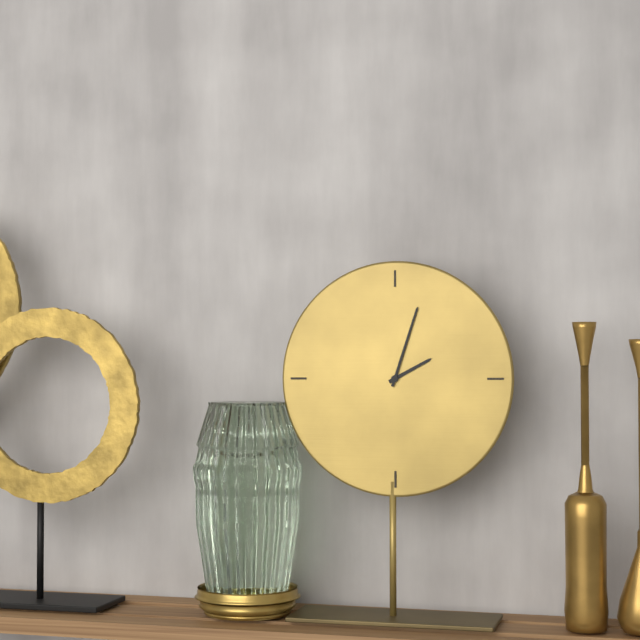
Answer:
h=2 m=3
